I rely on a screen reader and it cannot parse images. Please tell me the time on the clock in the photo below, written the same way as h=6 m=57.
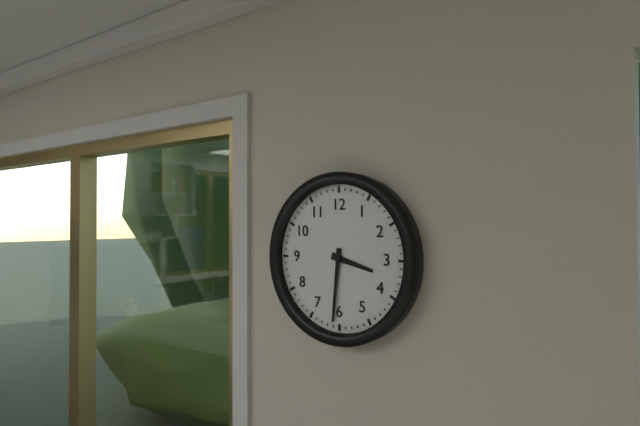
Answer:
h=3 m=31
